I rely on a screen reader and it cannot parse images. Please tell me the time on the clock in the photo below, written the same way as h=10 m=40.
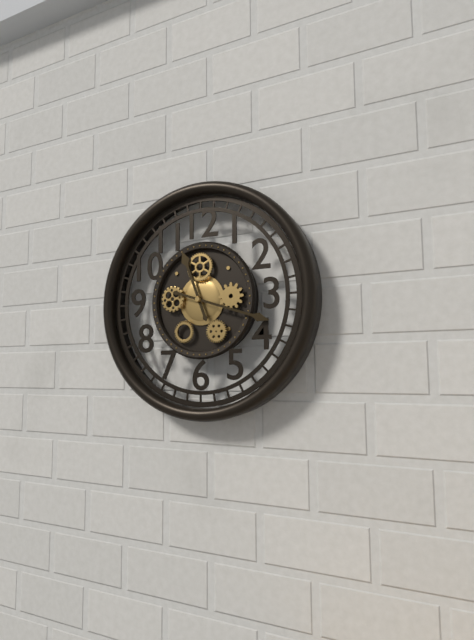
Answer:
h=11 m=18
